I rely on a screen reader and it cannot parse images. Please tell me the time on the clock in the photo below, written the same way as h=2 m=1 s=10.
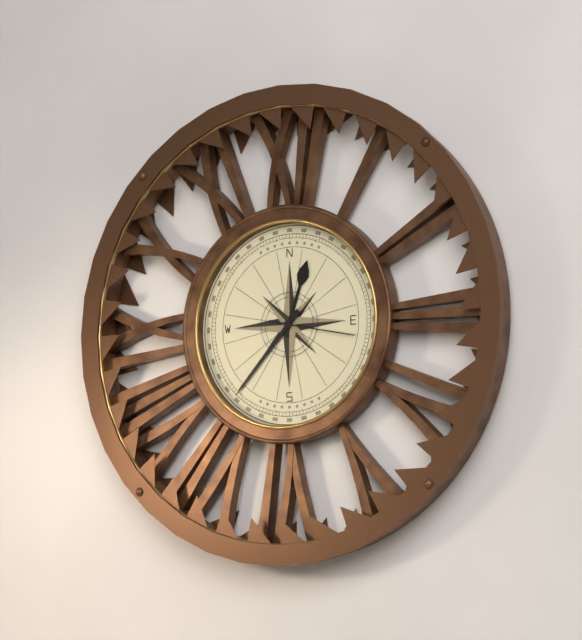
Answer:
h=12 m=37 s=17
